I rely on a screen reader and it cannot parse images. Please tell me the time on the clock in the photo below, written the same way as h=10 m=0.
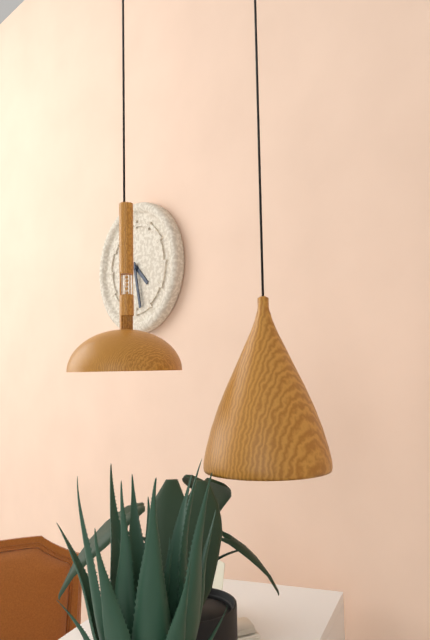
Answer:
h=4 m=28
